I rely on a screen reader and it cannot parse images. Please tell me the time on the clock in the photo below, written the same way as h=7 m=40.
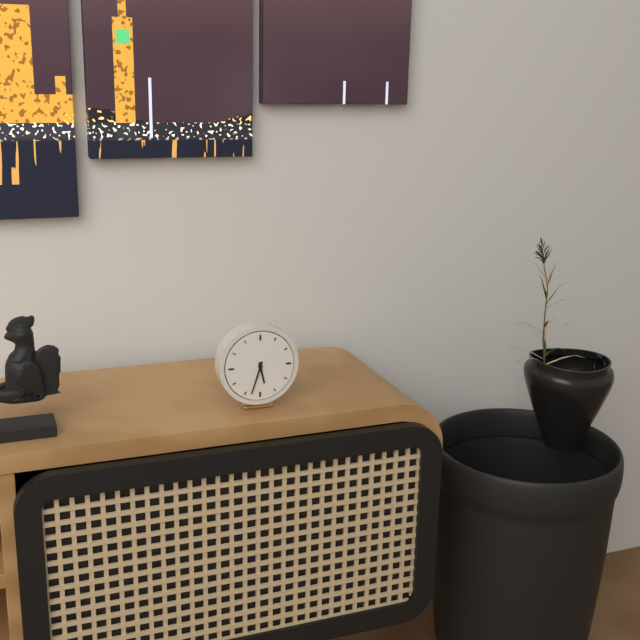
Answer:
h=5 m=33
